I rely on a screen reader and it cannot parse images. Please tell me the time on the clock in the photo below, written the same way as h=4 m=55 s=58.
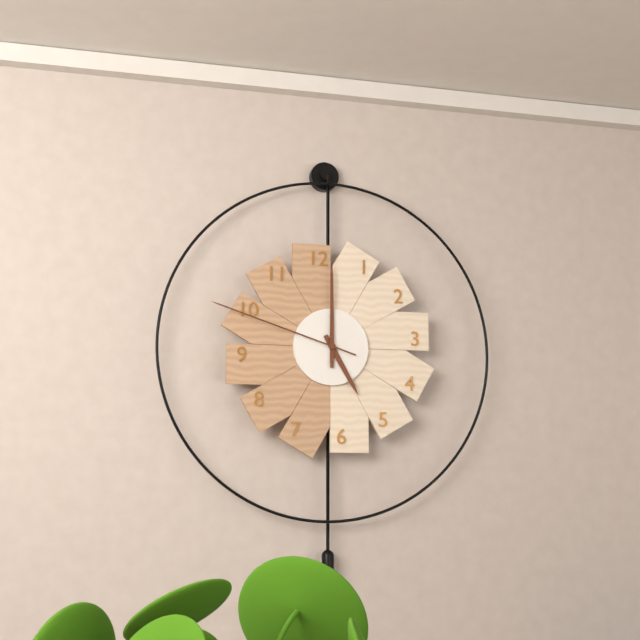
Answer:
h=5 m=0 s=48
